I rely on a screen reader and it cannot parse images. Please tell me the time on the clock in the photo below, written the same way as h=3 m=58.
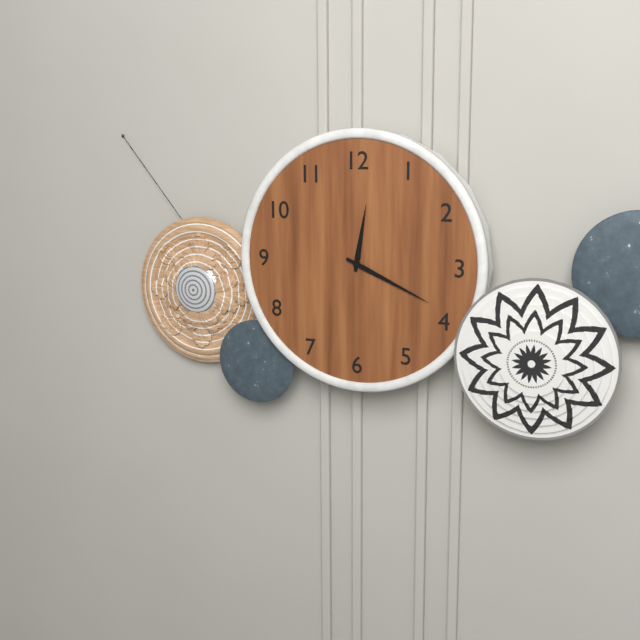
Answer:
h=12 m=19
